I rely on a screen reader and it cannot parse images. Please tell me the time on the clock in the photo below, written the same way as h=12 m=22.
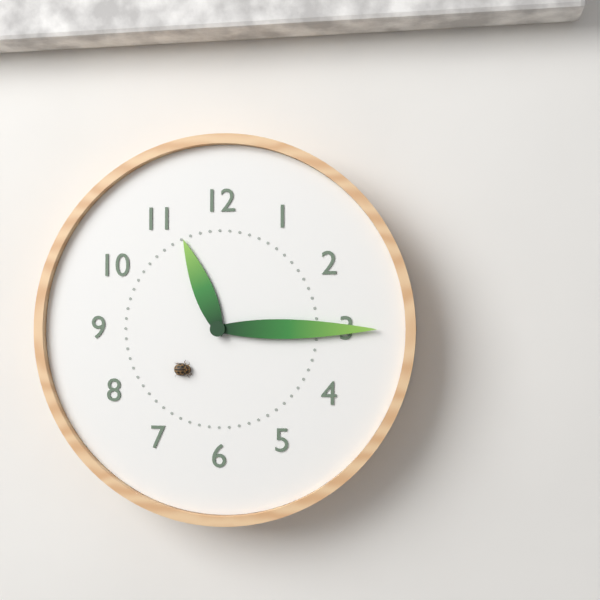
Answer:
h=11 m=15
